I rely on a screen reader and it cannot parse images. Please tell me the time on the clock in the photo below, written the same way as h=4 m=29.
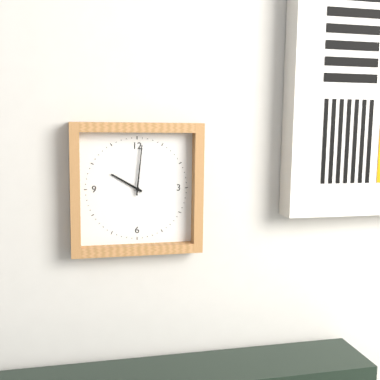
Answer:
h=10 m=1
